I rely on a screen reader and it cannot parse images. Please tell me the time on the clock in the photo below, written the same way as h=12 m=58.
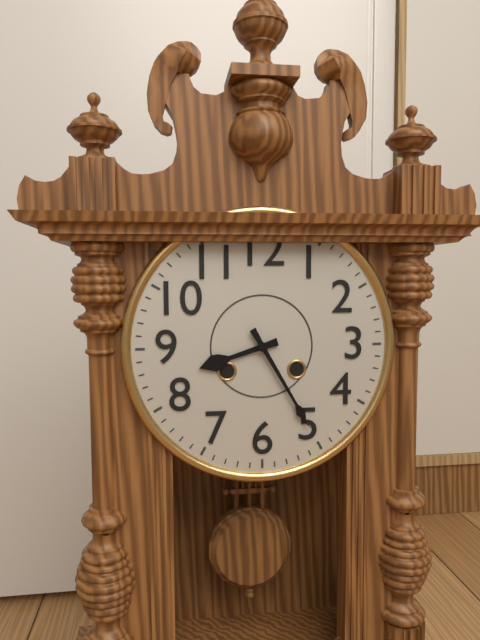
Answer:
h=8 m=25
